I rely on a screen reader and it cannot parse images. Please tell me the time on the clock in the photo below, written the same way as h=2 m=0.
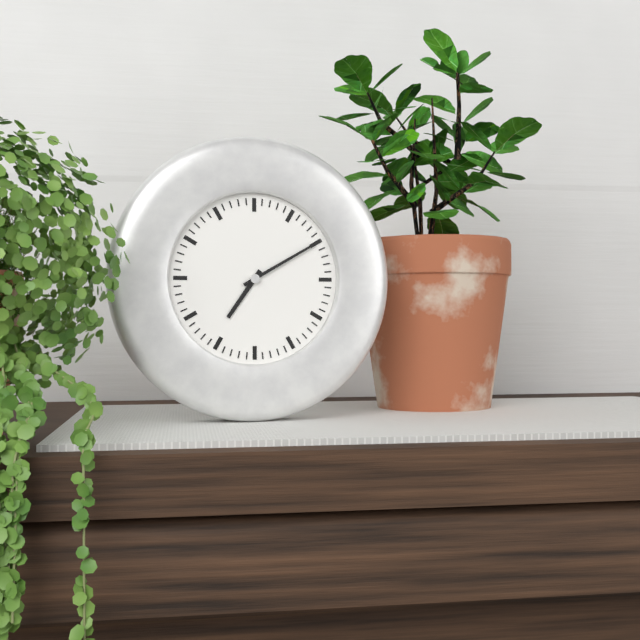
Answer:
h=7 m=10
